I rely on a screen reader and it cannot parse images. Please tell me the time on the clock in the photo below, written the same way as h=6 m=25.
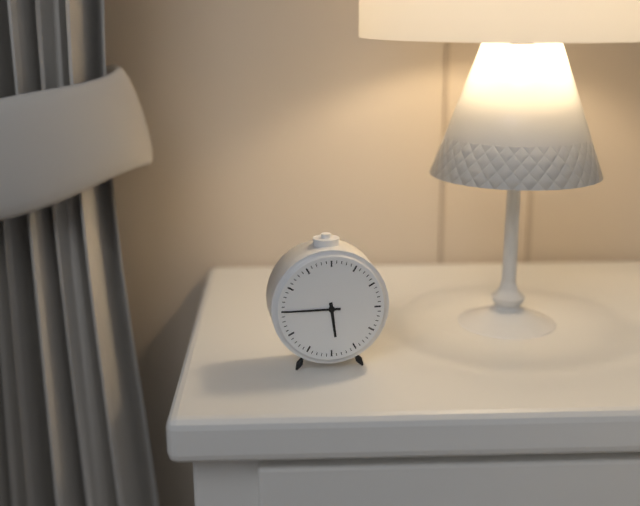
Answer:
h=5 m=45
